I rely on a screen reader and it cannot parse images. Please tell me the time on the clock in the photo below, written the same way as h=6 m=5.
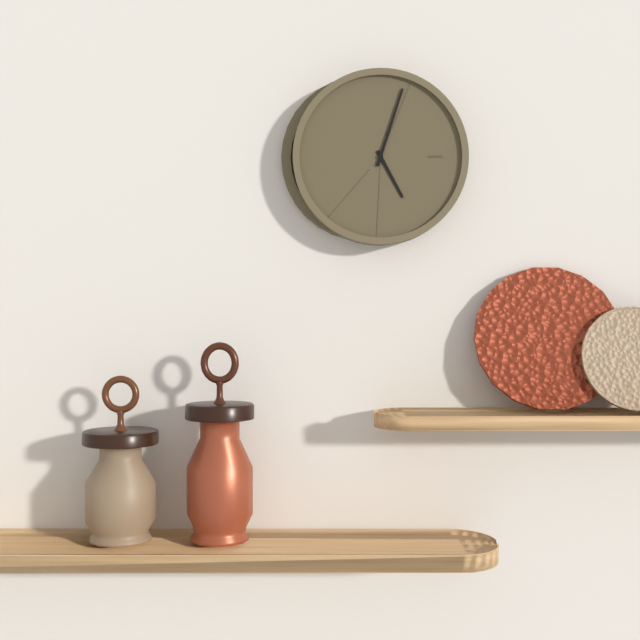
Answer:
h=5 m=3
